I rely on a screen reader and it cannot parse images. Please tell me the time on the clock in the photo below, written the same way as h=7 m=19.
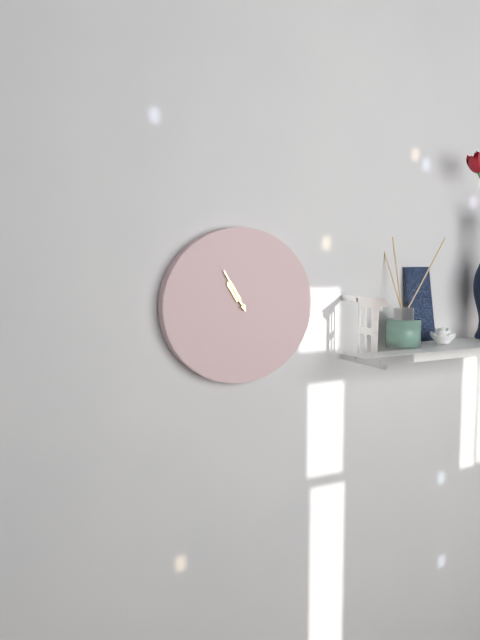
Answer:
h=10 m=55
